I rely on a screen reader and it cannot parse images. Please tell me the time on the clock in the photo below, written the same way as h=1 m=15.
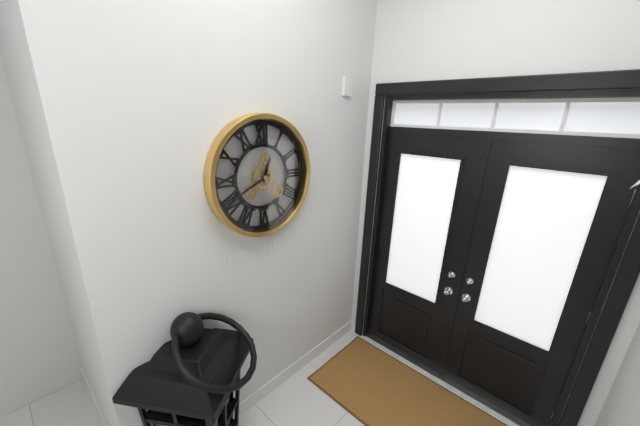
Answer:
h=12 m=41
